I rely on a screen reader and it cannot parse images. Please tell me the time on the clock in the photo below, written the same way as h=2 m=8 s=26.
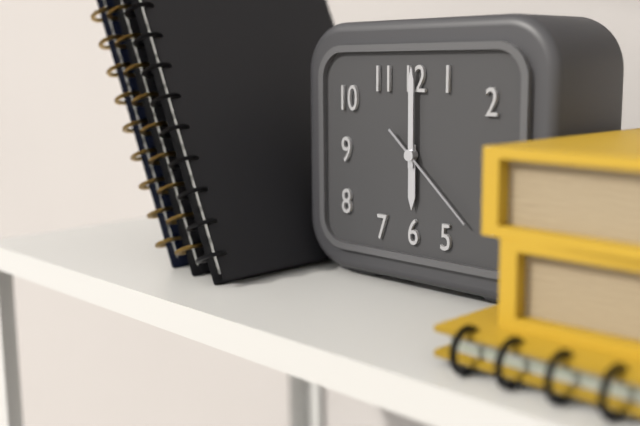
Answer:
h=6 m=0 s=22
